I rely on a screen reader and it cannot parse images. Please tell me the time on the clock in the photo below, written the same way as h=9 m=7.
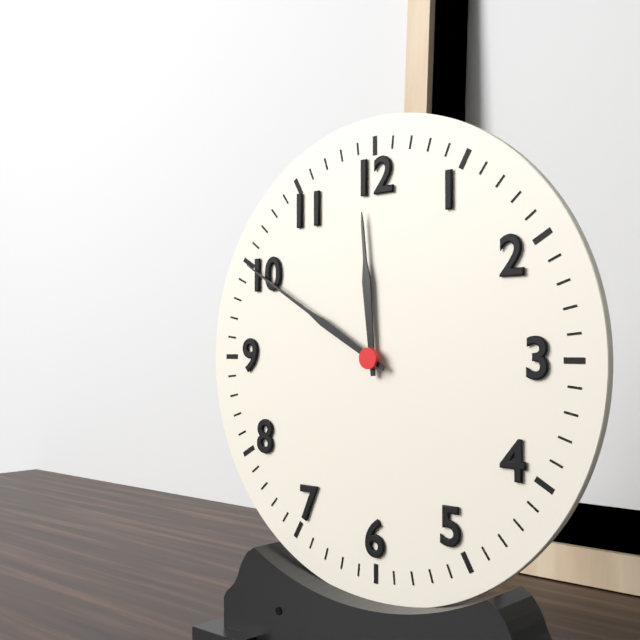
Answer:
h=11 m=50
